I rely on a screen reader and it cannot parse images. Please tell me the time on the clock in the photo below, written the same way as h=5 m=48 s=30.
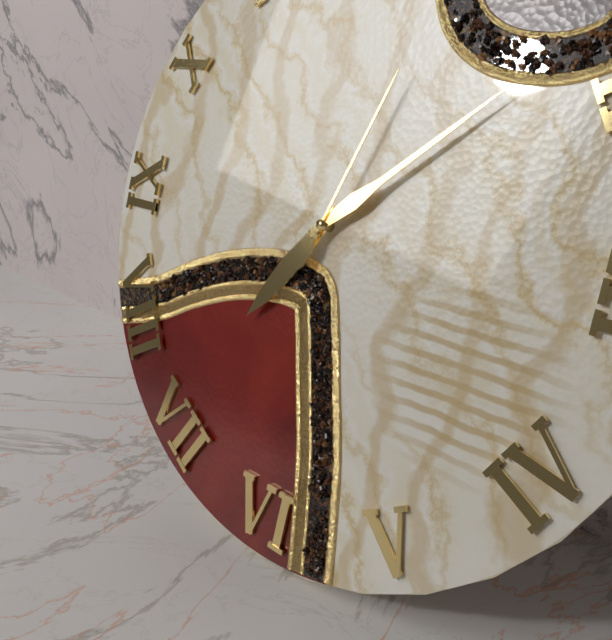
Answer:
h=7 m=8 s=3
